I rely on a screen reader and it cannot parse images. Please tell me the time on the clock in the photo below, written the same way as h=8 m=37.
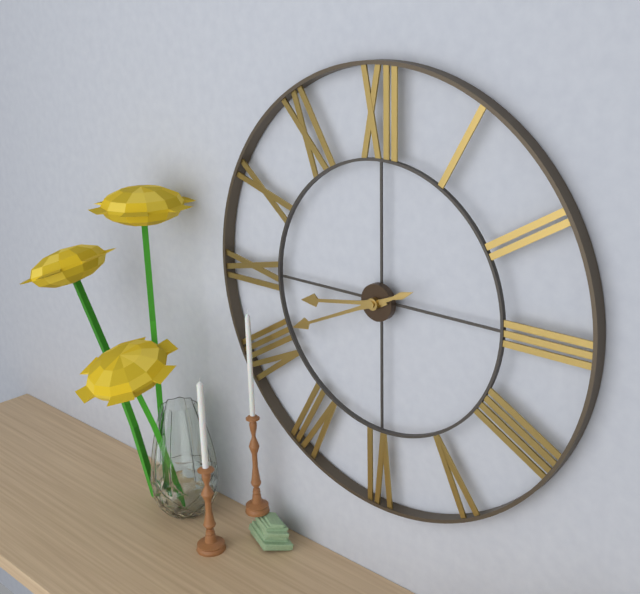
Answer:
h=8 m=41
